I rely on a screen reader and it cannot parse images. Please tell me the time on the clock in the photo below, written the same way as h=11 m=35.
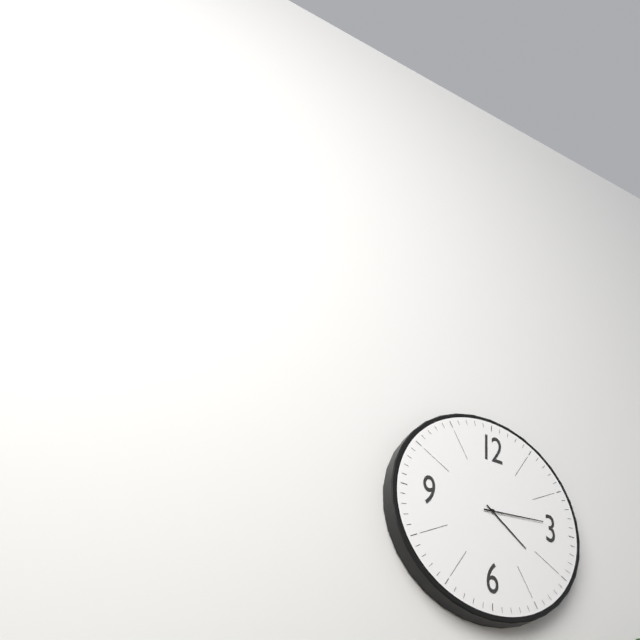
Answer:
h=4 m=14
